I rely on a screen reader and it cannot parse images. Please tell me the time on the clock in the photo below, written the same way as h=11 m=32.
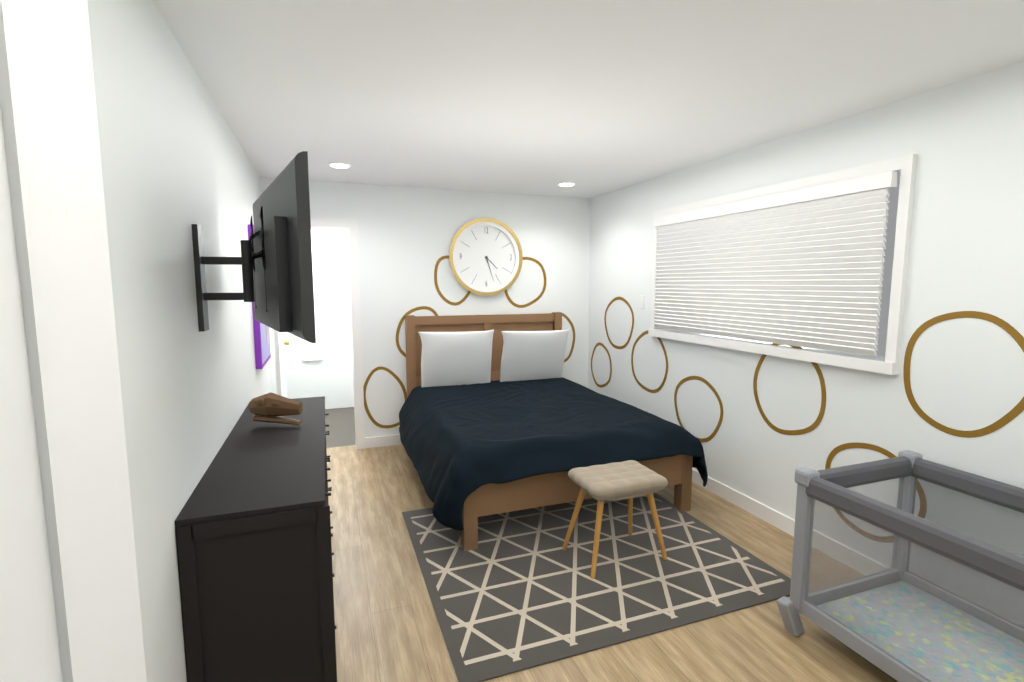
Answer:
h=4 m=27
